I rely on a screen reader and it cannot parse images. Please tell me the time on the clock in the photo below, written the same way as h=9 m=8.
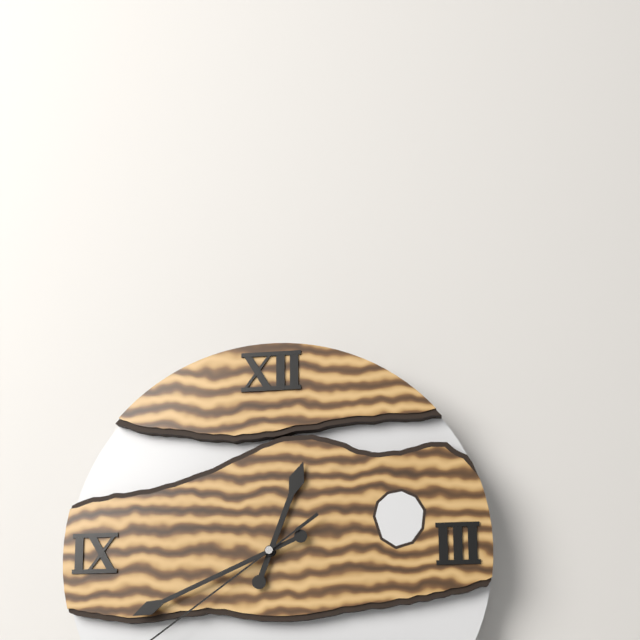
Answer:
h=12 m=41
